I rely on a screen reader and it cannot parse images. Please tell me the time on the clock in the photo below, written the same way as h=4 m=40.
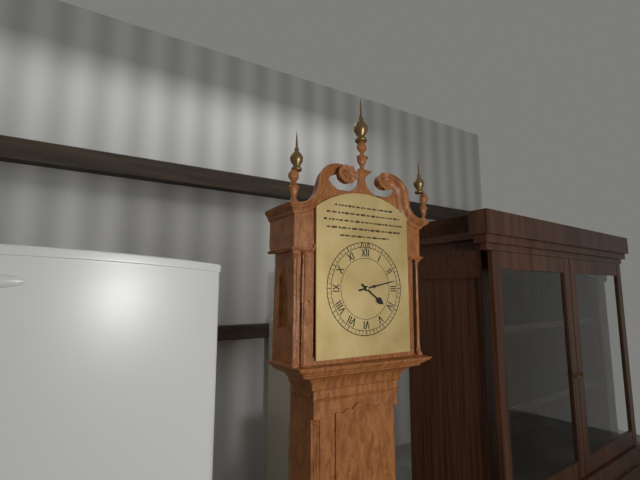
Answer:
h=4 m=13
